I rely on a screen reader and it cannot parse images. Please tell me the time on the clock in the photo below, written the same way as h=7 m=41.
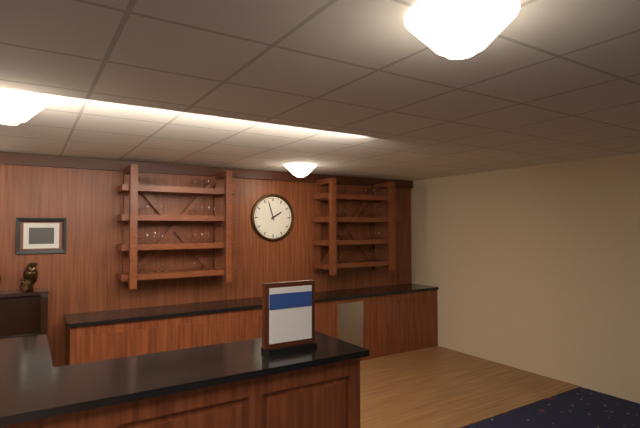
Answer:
h=1 m=57
